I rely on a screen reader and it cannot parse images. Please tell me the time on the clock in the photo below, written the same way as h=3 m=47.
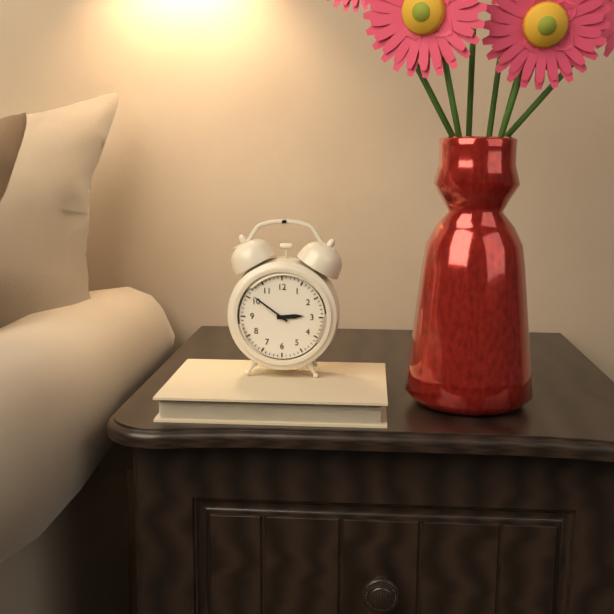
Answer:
h=2 m=51
